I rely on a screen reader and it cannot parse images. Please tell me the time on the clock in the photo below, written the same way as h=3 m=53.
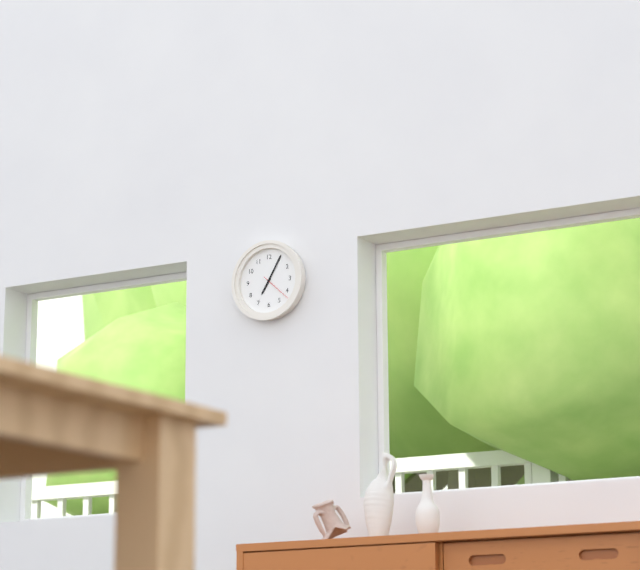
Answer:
h=7 m=5
